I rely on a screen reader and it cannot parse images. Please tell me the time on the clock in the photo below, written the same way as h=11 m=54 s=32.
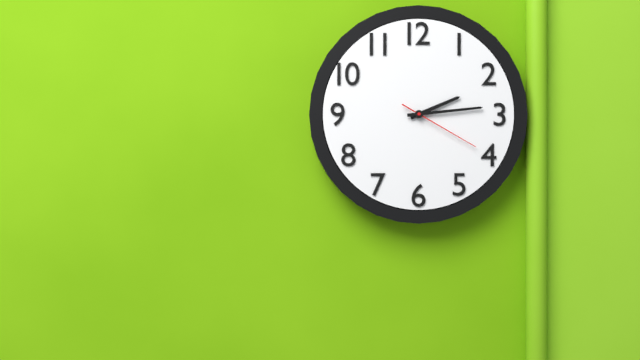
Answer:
h=2 m=14 s=20
